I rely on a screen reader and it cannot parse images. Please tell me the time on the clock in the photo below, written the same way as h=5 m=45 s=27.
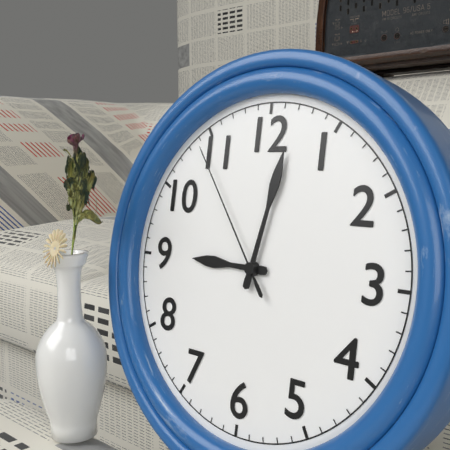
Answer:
h=9 m=2 s=54
